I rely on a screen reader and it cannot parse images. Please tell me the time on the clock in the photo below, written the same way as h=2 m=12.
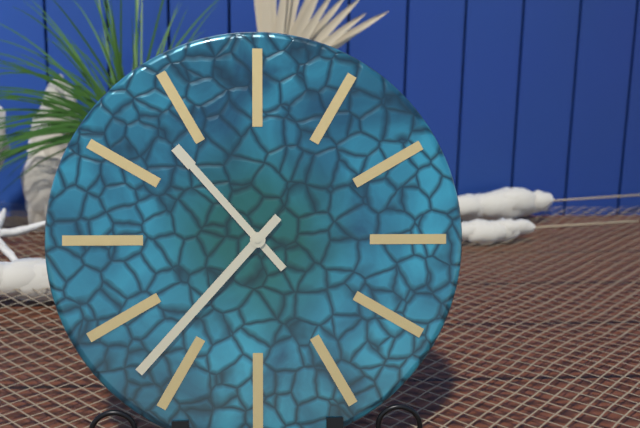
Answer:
h=10 m=37
